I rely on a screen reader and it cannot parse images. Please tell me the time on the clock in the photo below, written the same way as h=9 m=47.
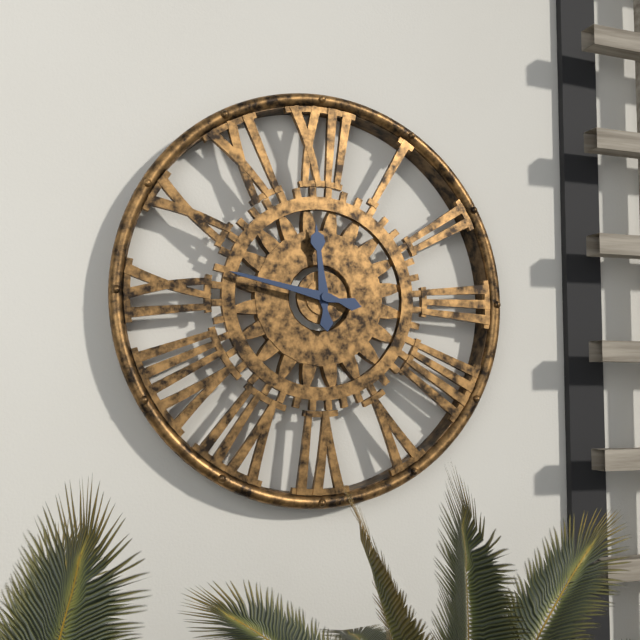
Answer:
h=11 m=47
